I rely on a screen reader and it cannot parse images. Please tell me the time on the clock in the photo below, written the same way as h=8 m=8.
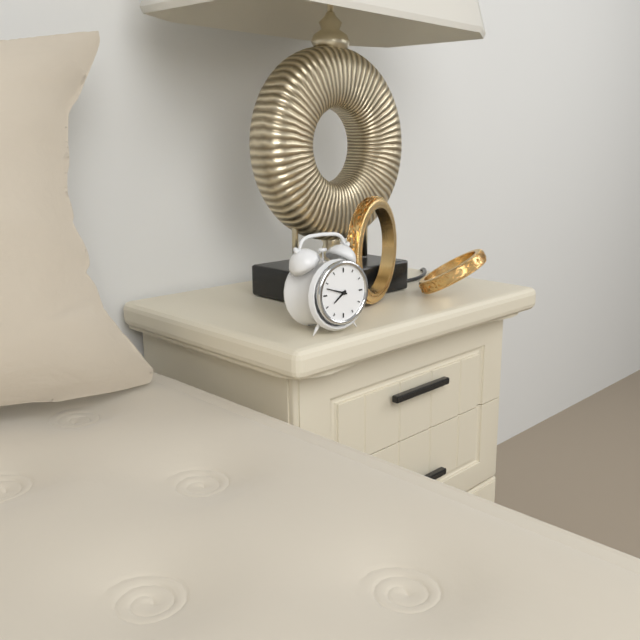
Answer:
h=7 m=48
